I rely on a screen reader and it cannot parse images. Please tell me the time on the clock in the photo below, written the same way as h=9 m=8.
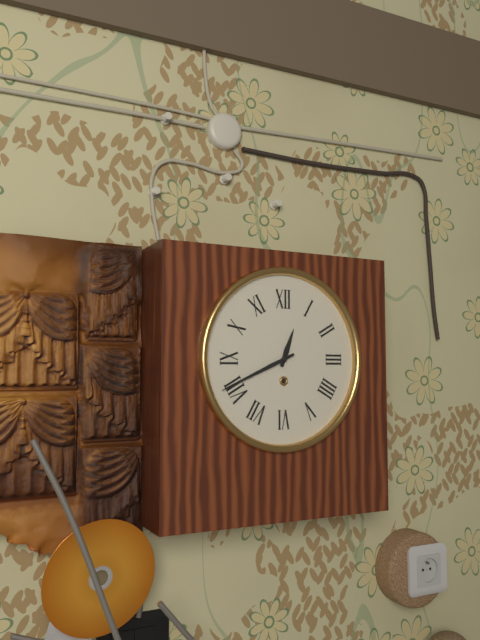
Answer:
h=12 m=41
